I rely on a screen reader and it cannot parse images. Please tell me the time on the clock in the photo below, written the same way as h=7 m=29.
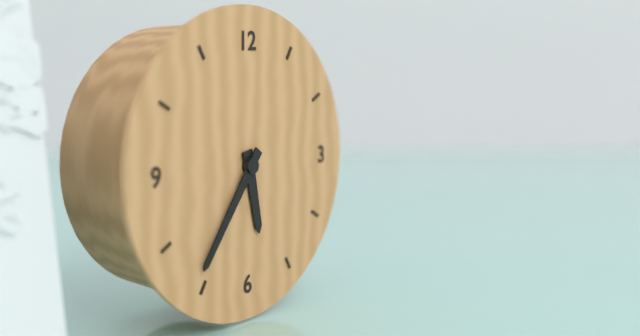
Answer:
h=5 m=36
